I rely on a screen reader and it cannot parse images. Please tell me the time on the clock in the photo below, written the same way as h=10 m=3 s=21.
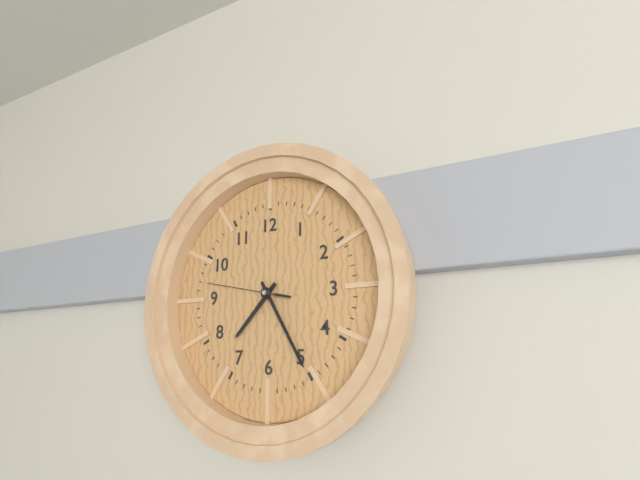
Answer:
h=7 m=25 s=47
